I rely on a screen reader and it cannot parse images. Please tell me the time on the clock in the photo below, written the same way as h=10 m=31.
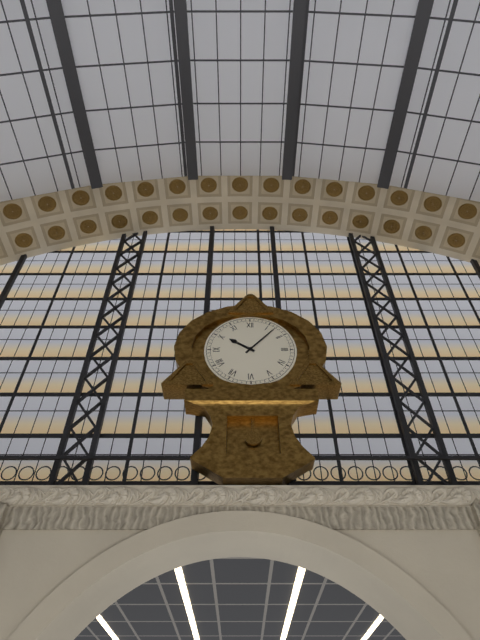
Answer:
h=10 m=7
